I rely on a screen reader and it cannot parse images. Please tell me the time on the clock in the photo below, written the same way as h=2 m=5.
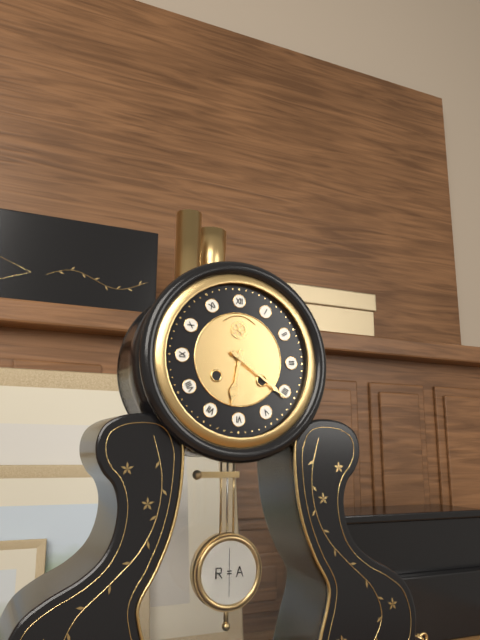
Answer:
h=6 m=21
